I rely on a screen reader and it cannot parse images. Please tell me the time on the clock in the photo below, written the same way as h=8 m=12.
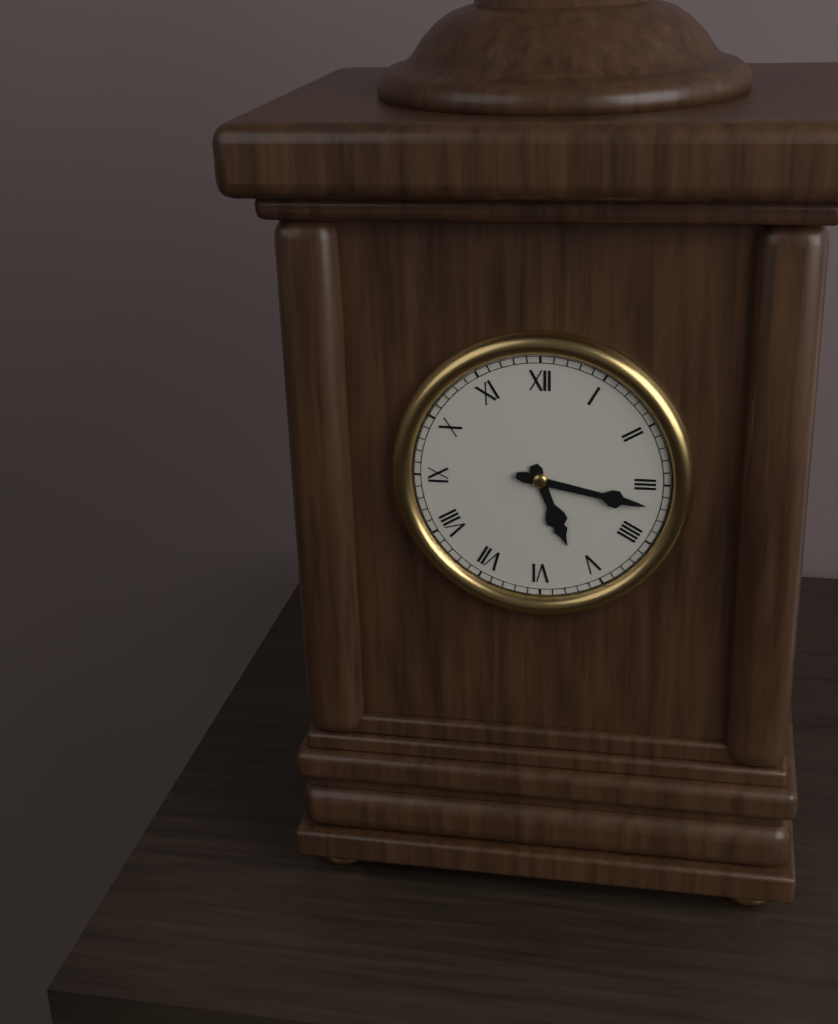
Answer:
h=5 m=17
